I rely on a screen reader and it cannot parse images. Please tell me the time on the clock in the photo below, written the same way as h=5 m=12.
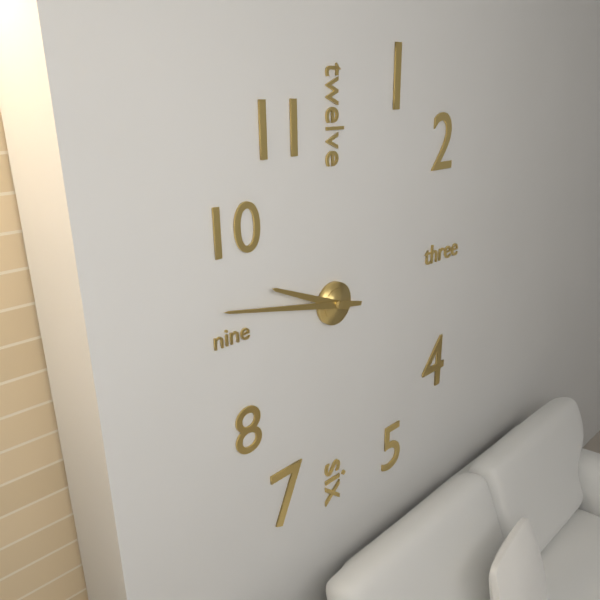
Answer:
h=9 m=47
